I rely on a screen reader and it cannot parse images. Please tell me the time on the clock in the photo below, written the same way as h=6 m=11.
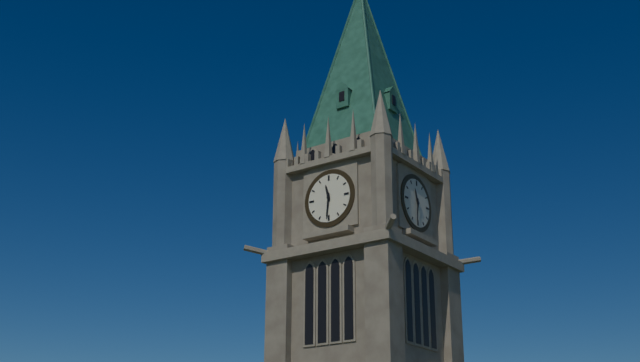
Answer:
h=11 m=31
